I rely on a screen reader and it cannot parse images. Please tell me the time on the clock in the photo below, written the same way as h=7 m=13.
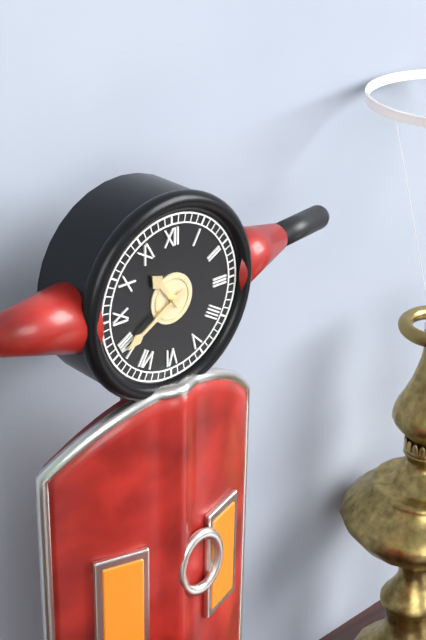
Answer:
h=10 m=40
